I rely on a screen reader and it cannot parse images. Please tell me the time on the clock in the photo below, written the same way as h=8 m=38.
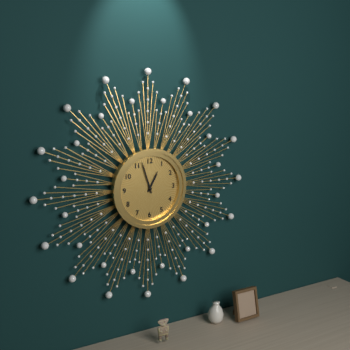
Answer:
h=12 m=57
